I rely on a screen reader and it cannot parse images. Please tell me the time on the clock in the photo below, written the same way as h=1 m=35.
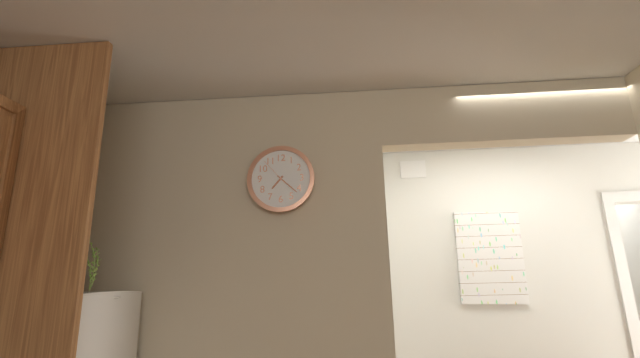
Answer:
h=7 m=22
